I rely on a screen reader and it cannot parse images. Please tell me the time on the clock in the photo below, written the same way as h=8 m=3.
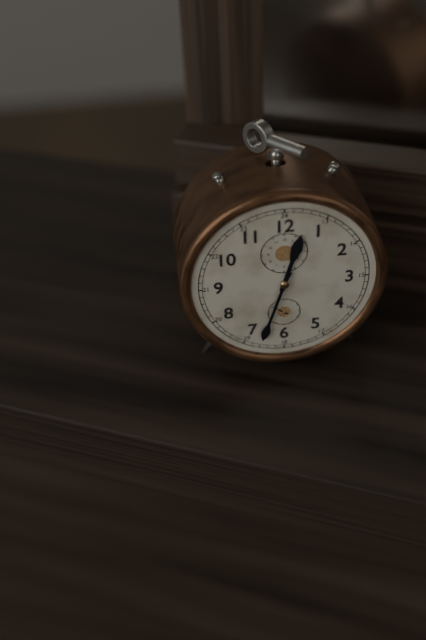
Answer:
h=12 m=33
